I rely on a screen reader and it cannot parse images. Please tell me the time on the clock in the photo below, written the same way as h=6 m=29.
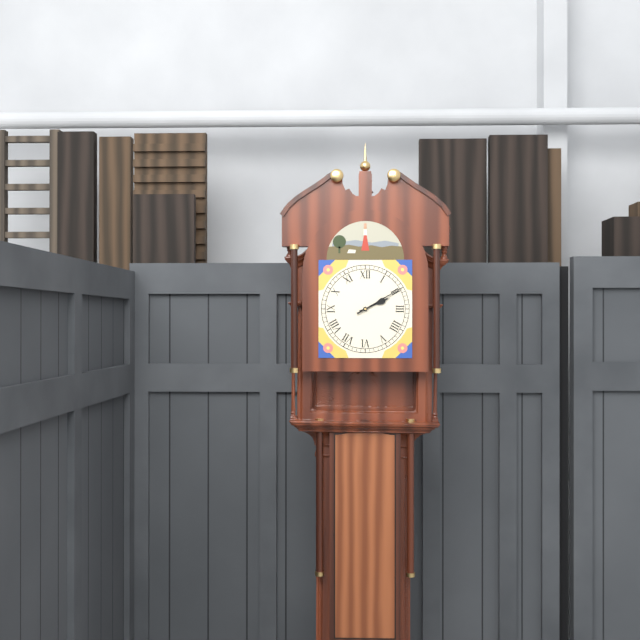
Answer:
h=2 m=10
